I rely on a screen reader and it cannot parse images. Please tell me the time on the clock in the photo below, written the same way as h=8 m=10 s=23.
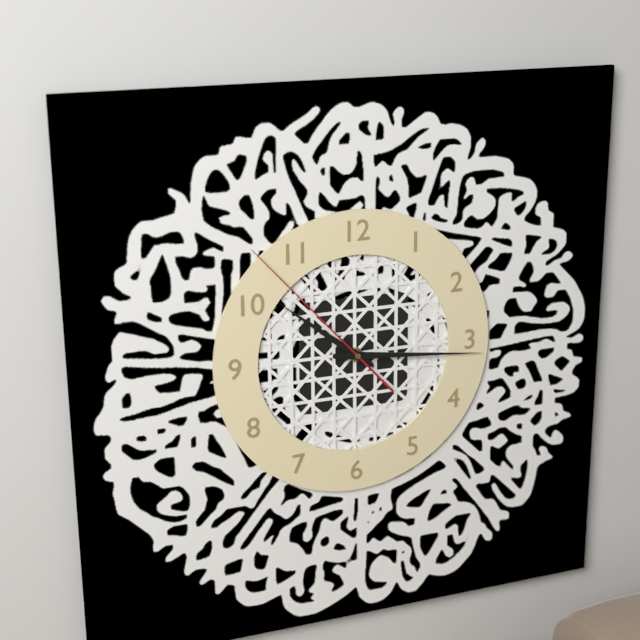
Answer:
h=10 m=16 s=53
